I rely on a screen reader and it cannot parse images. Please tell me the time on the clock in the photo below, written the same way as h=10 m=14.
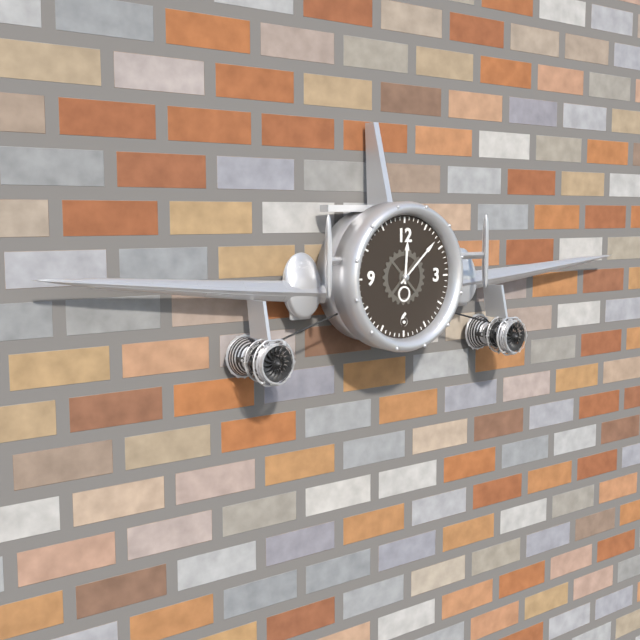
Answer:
h=12 m=8
